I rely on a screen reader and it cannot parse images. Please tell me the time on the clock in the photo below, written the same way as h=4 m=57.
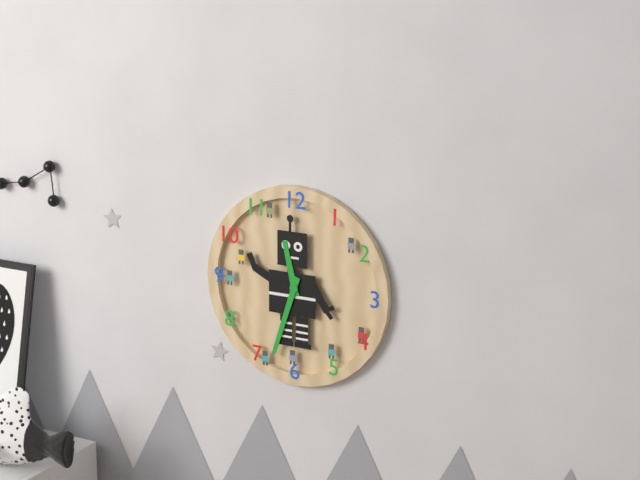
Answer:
h=11 m=33
